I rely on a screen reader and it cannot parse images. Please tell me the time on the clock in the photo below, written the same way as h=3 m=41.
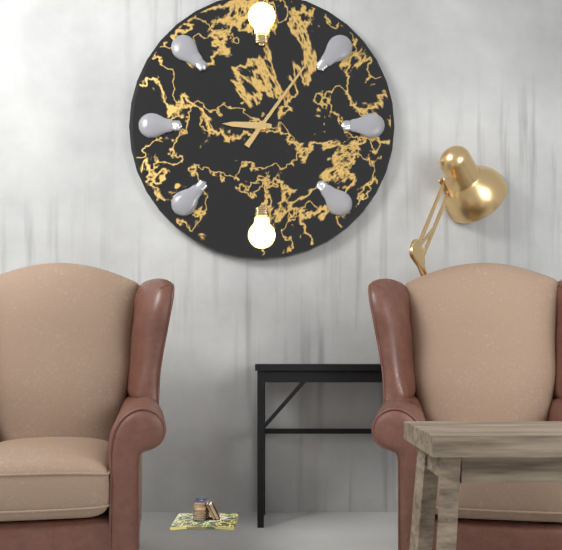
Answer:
h=9 m=6
